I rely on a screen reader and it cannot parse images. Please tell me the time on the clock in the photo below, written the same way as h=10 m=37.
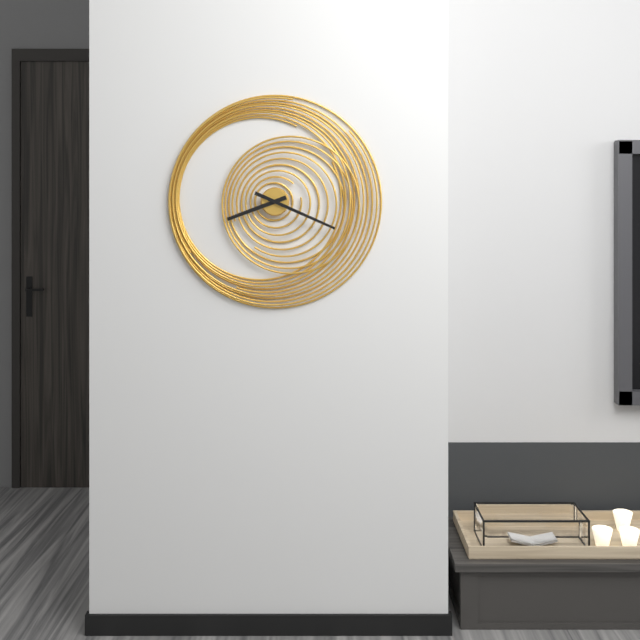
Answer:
h=8 m=19
